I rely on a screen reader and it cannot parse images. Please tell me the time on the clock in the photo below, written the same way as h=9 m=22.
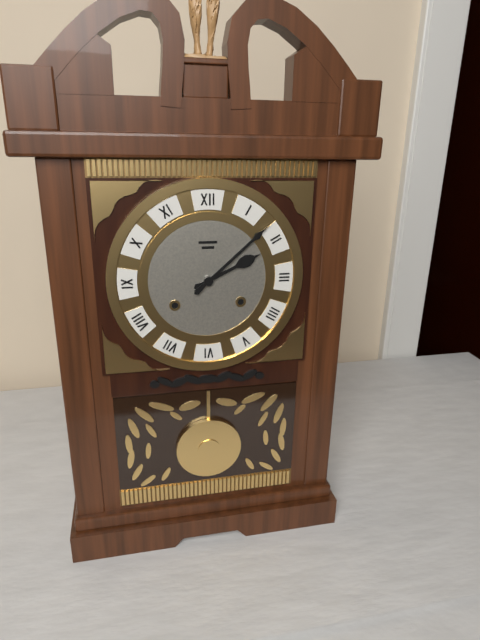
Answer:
h=2 m=8
